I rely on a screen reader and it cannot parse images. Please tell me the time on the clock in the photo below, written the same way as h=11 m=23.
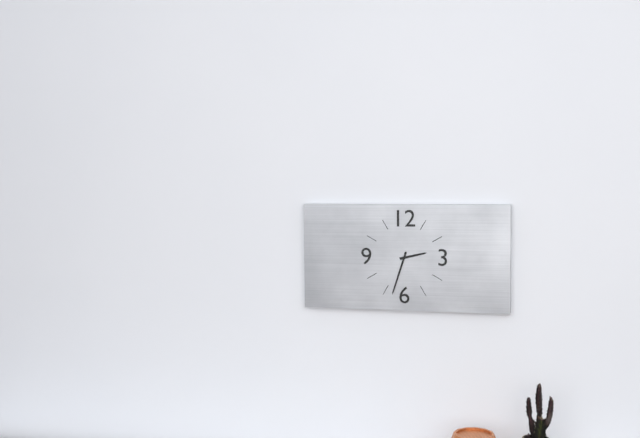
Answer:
h=2 m=33
